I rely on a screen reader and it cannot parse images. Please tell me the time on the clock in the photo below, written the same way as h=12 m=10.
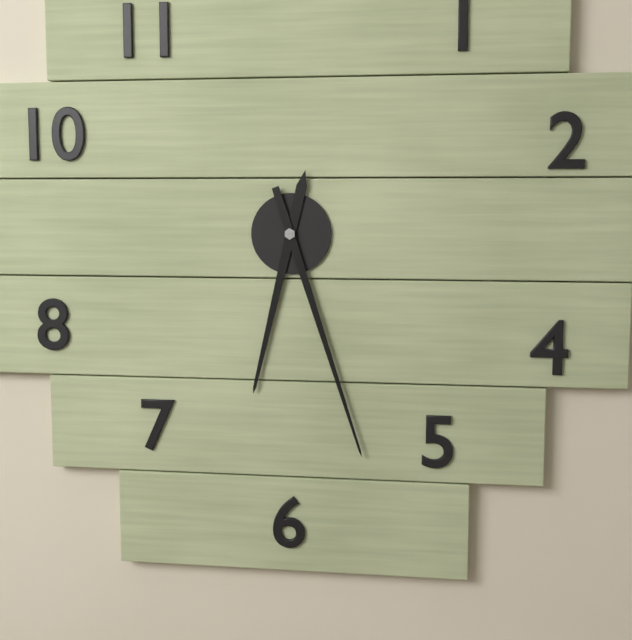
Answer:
h=6 m=27
